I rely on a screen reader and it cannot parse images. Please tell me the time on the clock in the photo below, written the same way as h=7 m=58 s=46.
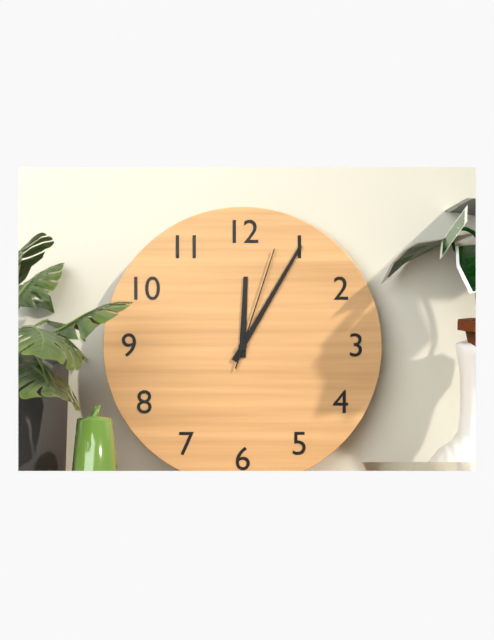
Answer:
h=12 m=5 s=3
